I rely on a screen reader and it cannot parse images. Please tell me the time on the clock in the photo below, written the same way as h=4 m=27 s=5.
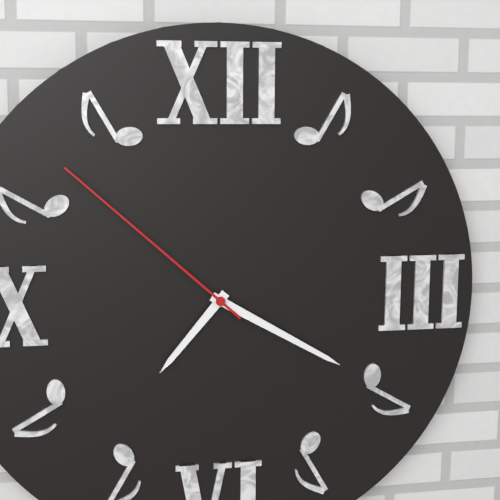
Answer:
h=7 m=20 s=52
